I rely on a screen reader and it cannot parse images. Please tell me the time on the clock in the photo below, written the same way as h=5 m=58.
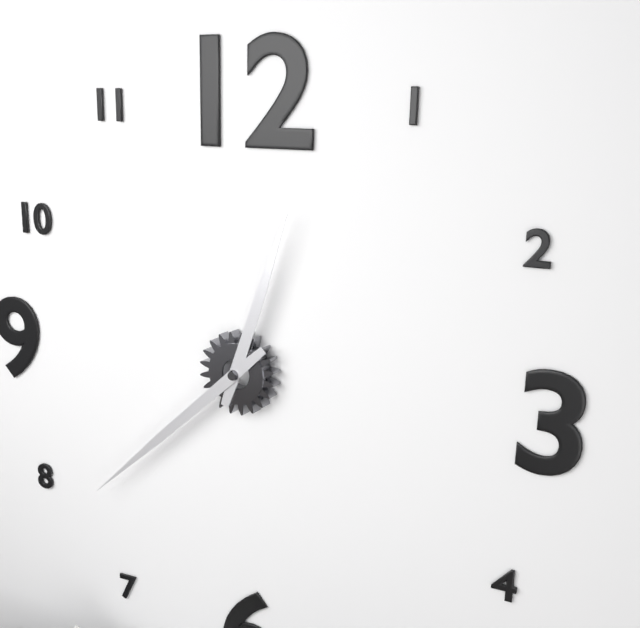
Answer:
h=12 m=38
